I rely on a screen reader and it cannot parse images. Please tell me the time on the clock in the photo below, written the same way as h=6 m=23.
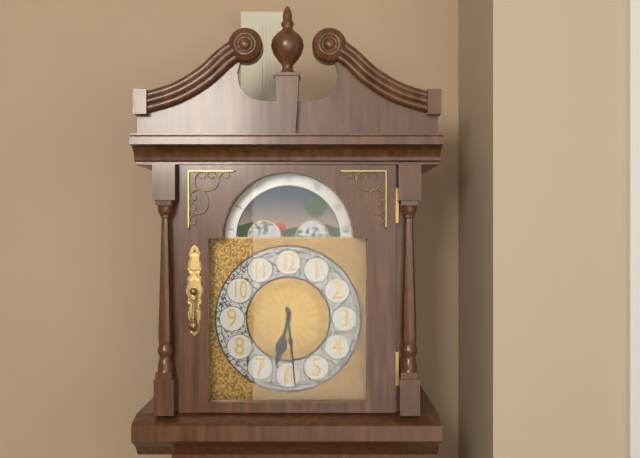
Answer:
h=6 m=29
